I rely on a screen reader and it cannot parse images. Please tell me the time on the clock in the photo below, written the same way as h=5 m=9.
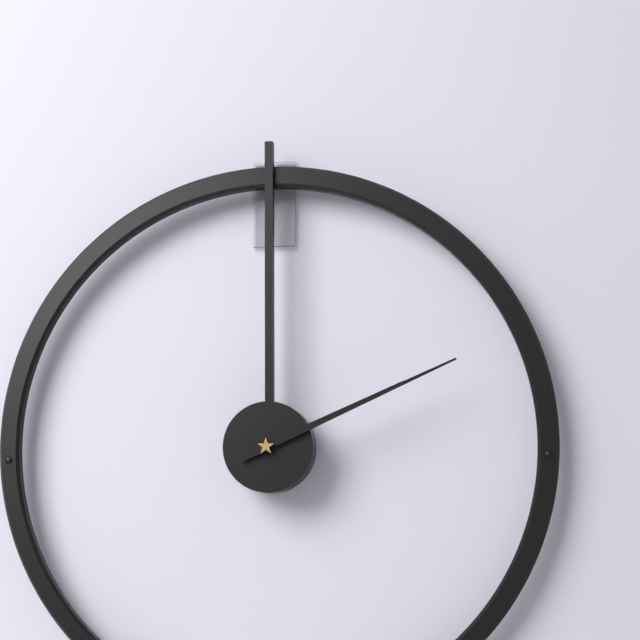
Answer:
h=2 m=11
